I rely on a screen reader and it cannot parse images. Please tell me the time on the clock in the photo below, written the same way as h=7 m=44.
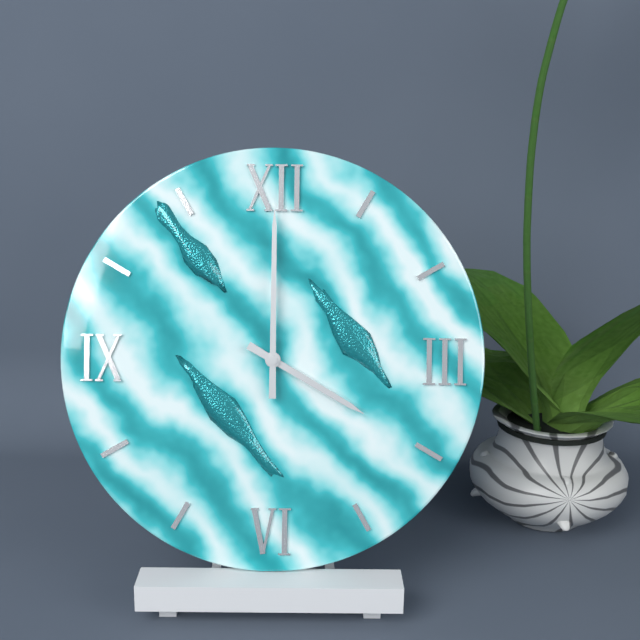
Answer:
h=4 m=0
